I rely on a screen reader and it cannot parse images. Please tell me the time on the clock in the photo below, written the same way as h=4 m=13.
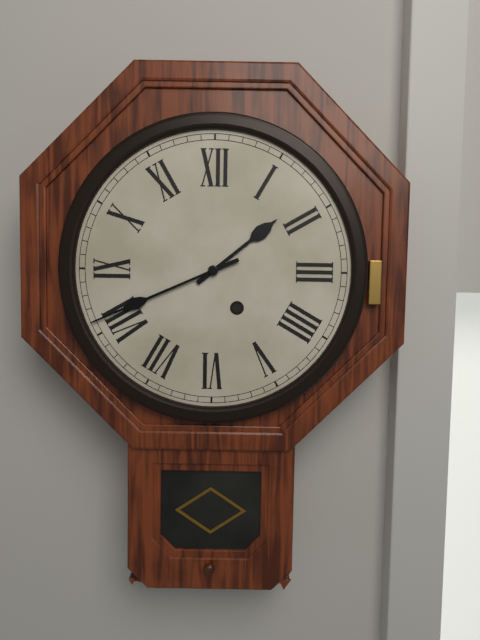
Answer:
h=1 m=41
